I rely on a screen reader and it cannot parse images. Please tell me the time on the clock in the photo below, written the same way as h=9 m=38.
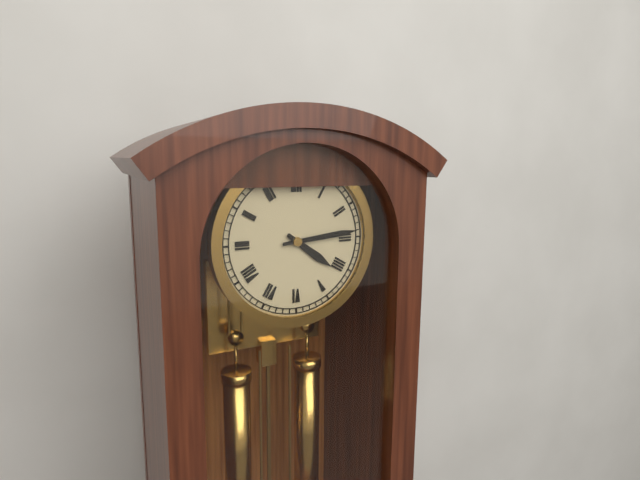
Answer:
h=4 m=14
